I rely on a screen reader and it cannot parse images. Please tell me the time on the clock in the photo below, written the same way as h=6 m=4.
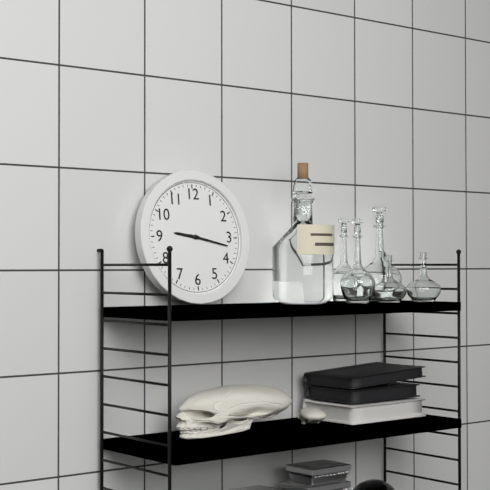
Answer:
h=9 m=17
